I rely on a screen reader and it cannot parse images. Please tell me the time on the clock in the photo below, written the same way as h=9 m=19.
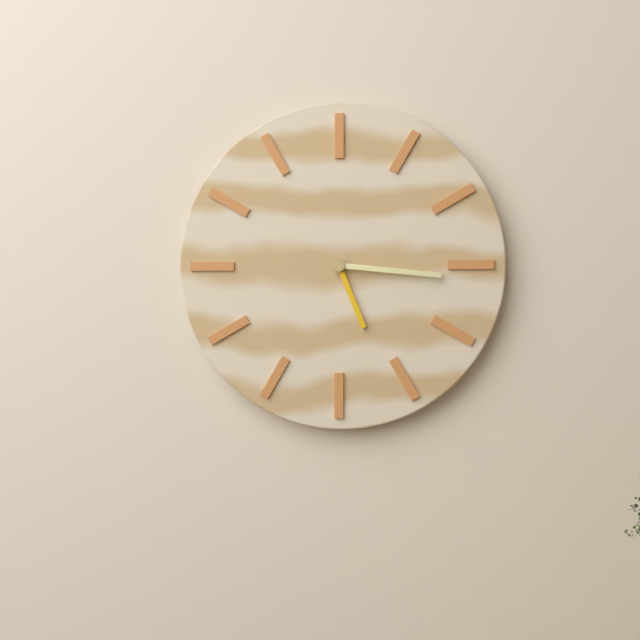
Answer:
h=5 m=16
